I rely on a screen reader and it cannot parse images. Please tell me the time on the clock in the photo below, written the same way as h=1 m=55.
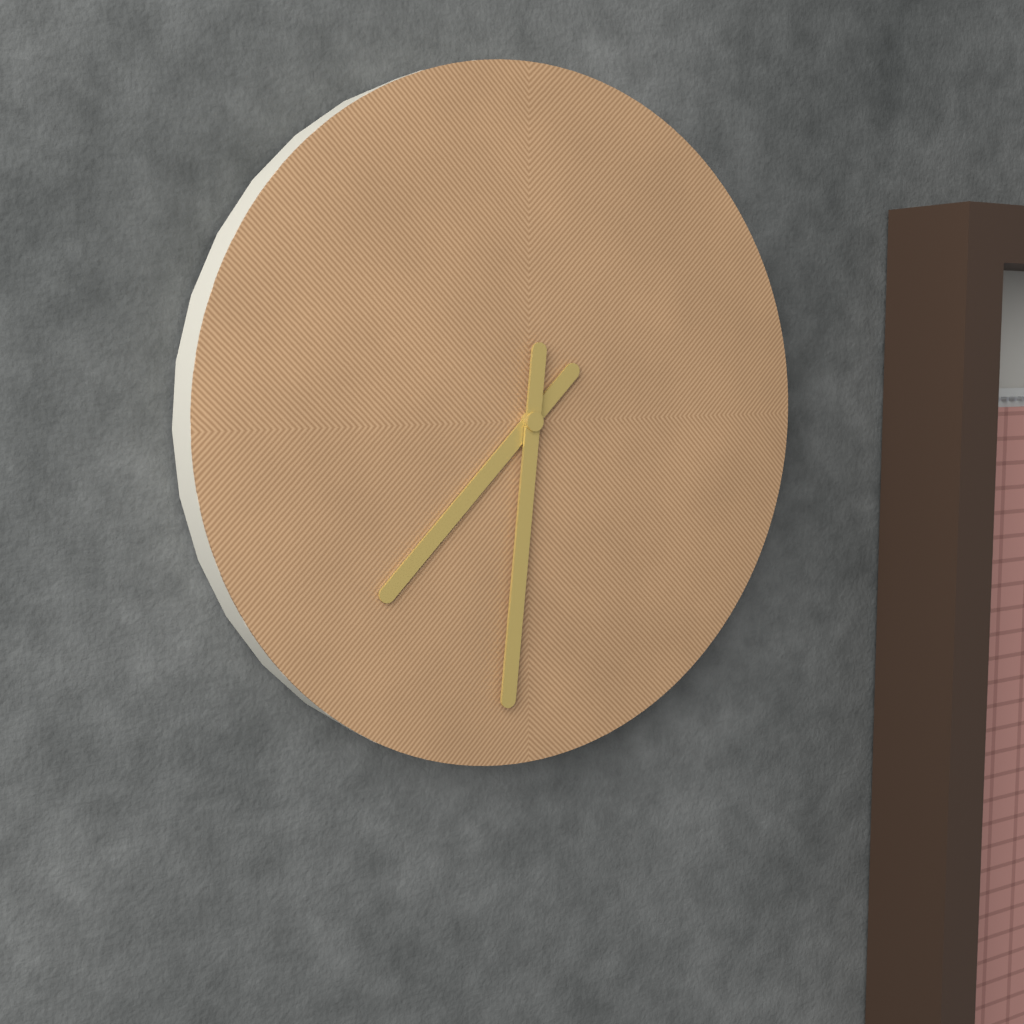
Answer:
h=7 m=31
